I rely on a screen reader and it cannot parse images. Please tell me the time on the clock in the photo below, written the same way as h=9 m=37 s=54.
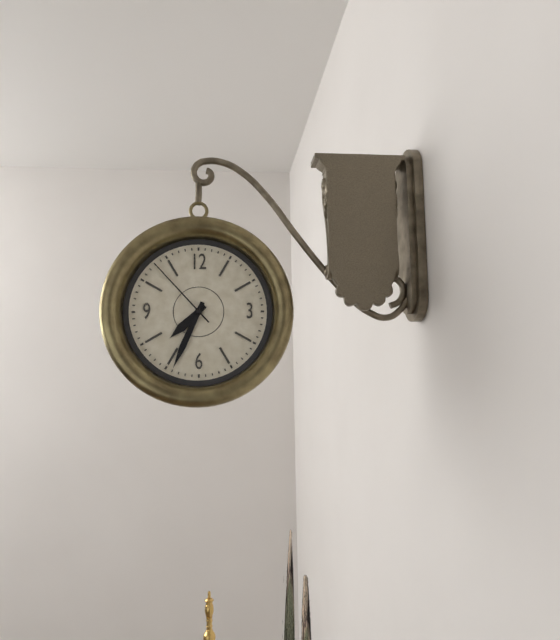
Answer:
h=7 m=34 s=53
